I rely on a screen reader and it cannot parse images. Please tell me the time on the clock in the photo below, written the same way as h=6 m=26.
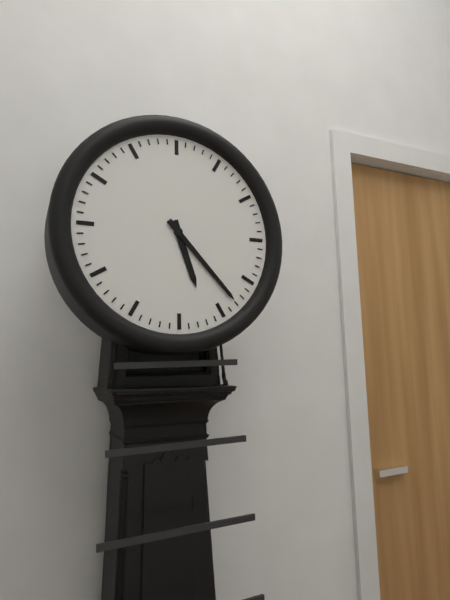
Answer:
h=5 m=23
